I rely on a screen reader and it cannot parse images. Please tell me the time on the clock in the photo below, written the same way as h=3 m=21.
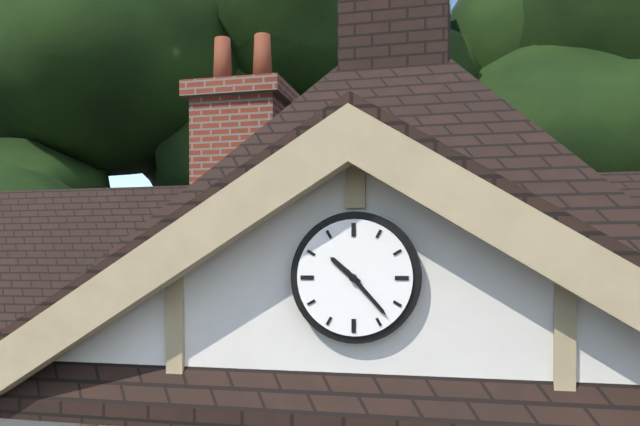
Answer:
h=10 m=23
